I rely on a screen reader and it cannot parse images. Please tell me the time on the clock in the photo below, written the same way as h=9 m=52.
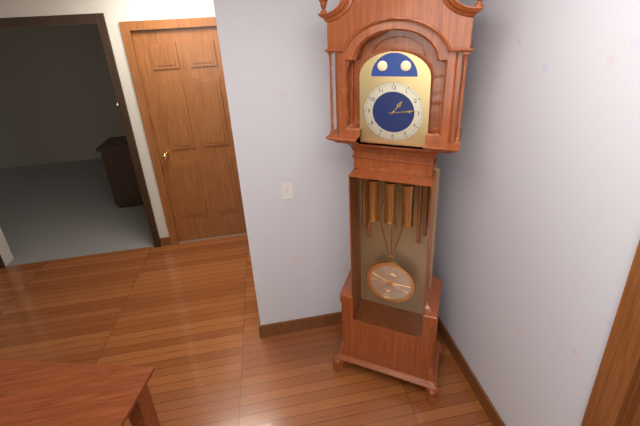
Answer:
h=1 m=14
